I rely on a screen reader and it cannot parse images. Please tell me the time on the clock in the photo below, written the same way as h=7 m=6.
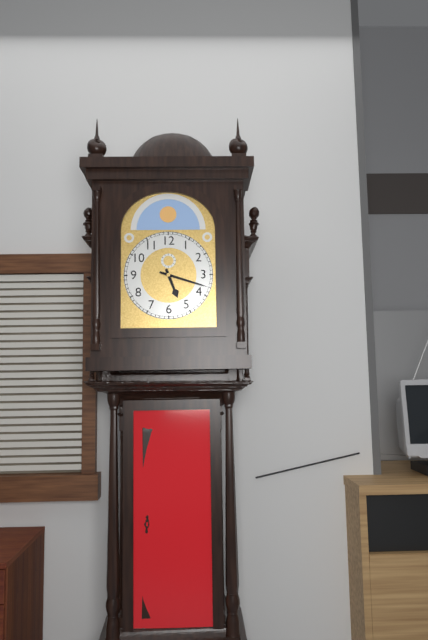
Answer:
h=5 m=18
